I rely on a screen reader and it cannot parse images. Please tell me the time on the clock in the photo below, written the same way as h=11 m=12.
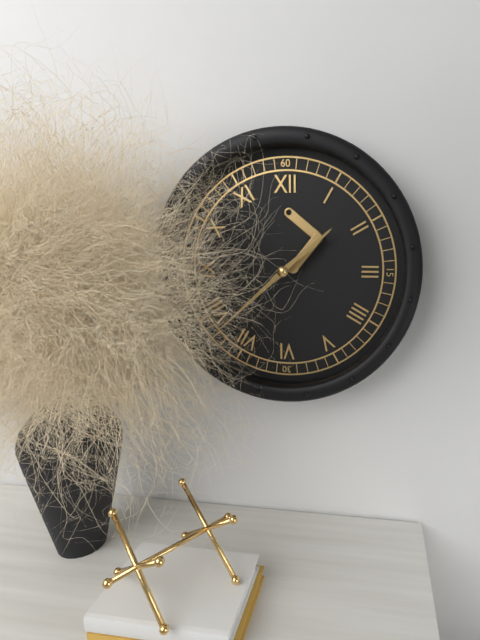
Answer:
h=1 m=38
